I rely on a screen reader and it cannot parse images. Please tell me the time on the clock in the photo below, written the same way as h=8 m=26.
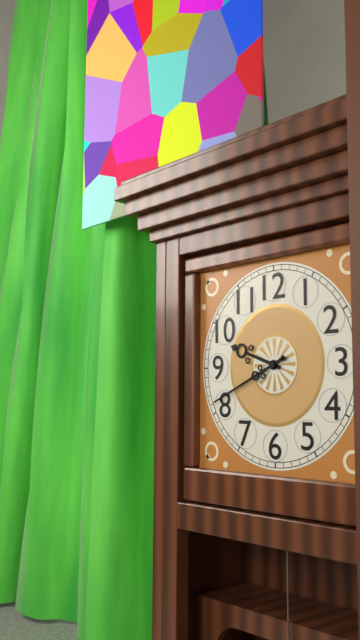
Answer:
h=9 m=41
